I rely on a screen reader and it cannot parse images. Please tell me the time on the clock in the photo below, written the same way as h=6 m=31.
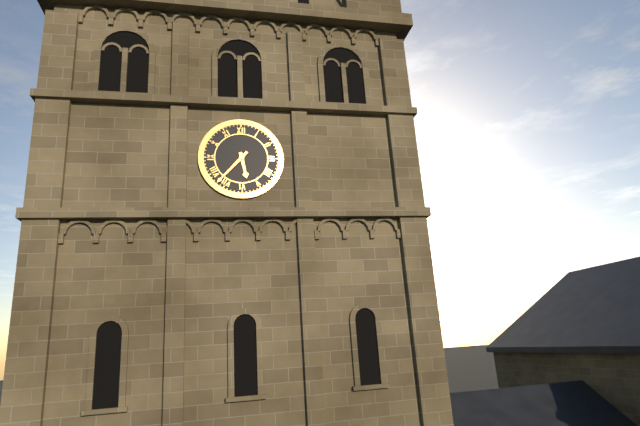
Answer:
h=5 m=37
